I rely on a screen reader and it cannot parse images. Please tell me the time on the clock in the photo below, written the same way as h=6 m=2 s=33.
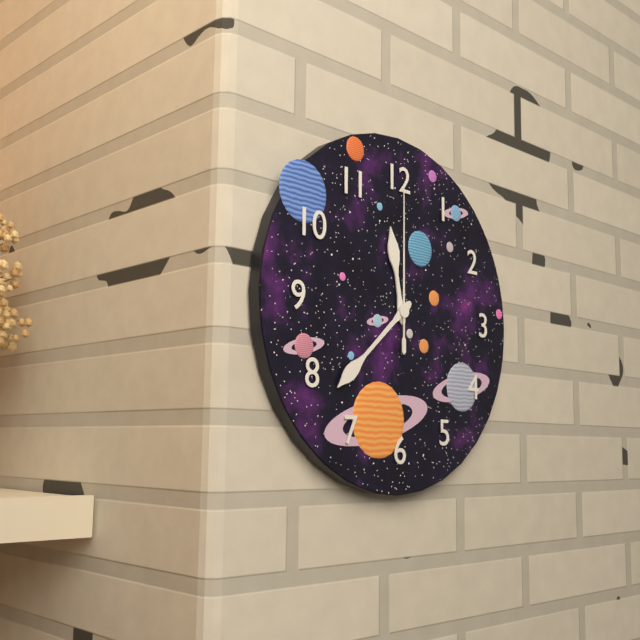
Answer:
h=11 m=38 s=0
